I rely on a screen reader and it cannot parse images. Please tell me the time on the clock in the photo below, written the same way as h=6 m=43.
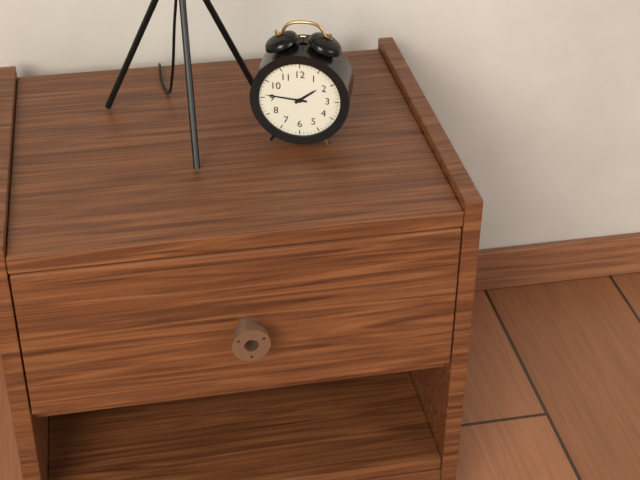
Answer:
h=1 m=46
